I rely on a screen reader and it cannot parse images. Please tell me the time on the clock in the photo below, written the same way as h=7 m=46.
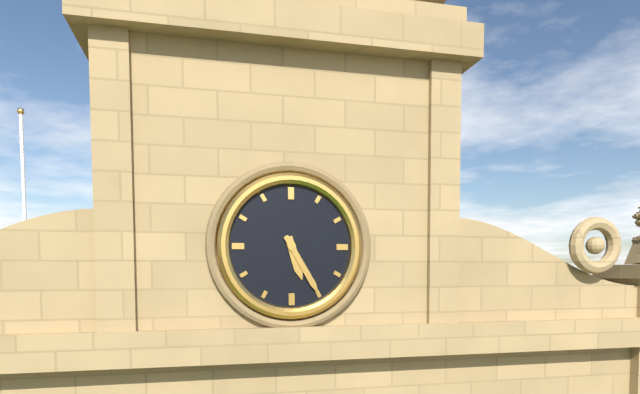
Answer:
h=5 m=25
